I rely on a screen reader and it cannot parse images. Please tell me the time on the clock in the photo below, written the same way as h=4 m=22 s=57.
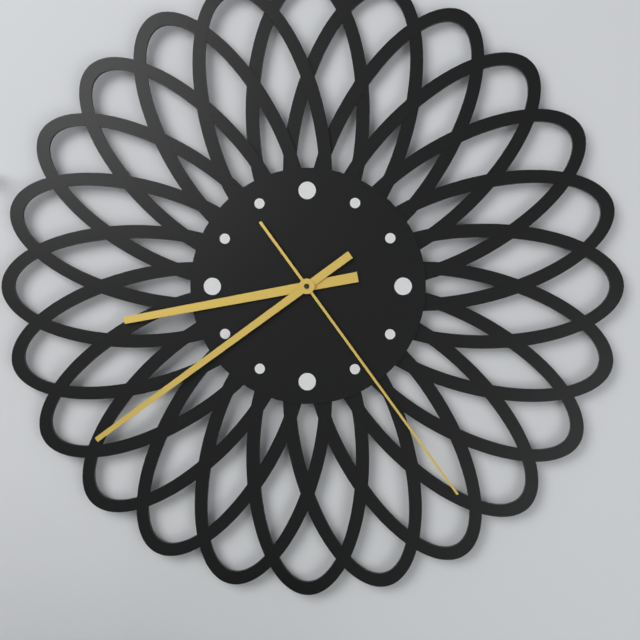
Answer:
h=8 m=39 s=24
